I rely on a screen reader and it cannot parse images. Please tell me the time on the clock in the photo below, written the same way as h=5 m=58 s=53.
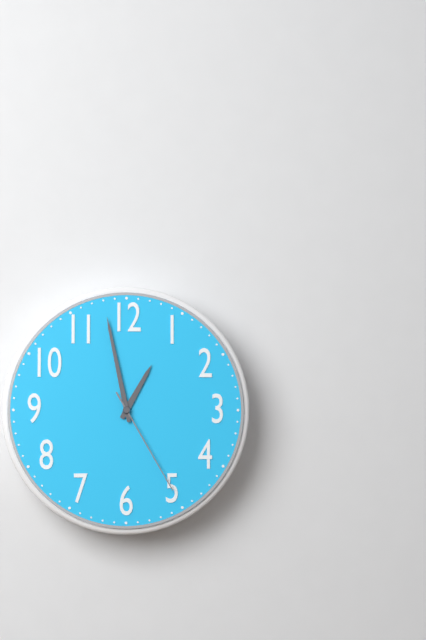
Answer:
h=12 m=58 s=25
